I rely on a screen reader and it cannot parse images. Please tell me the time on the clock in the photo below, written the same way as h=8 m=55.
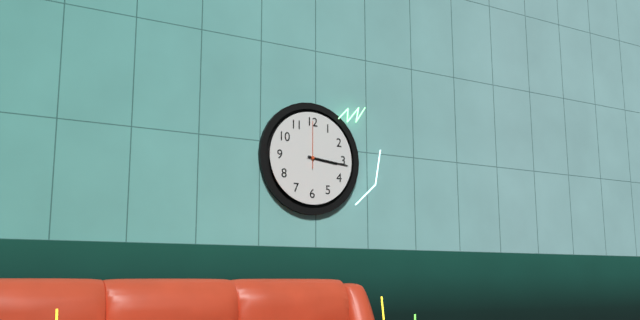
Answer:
h=3 m=16
